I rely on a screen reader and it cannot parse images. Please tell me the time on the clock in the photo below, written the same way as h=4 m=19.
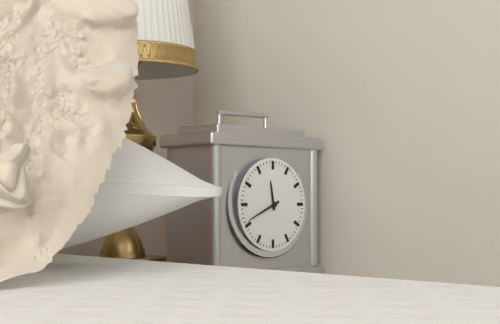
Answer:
h=11 m=41
